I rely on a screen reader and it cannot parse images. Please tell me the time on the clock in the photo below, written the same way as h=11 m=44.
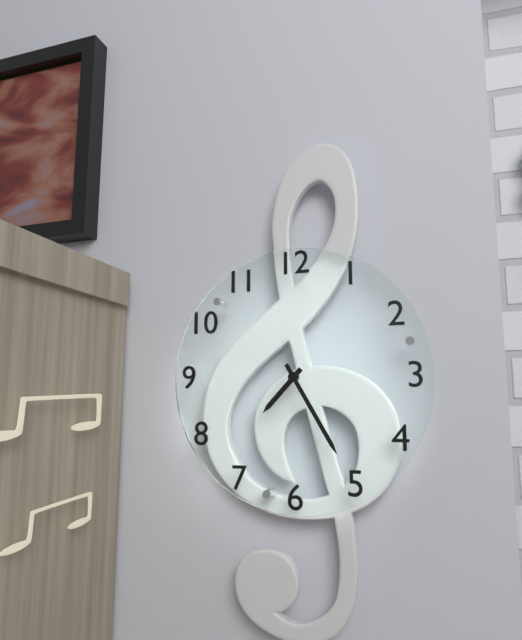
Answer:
h=7 m=25
